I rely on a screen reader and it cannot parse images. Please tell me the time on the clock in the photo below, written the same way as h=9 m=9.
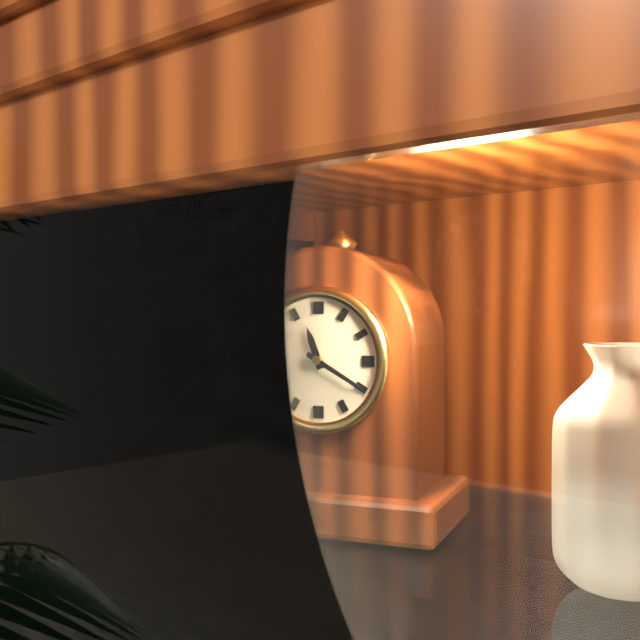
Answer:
h=11 m=20
